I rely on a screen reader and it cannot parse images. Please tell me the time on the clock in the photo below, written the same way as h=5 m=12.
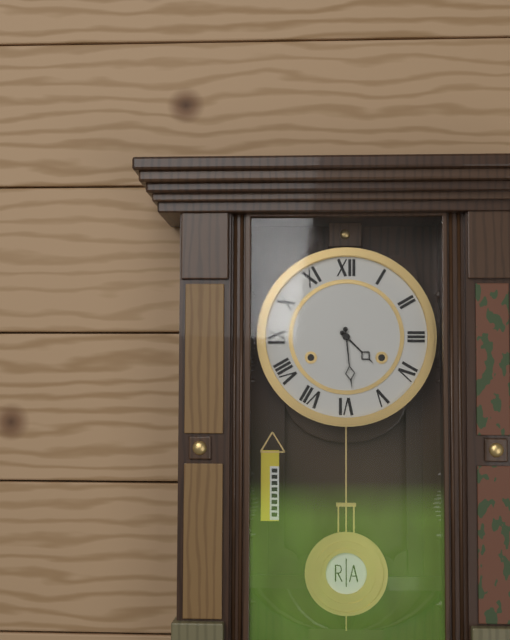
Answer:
h=4 m=29
